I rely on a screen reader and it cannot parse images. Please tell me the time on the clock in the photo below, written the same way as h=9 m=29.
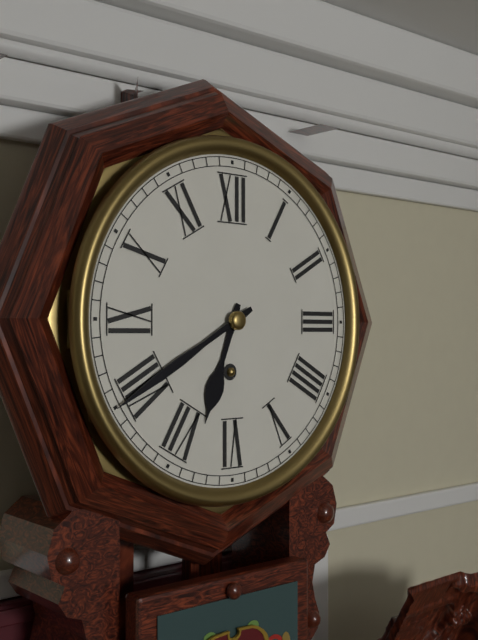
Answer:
h=6 m=40
